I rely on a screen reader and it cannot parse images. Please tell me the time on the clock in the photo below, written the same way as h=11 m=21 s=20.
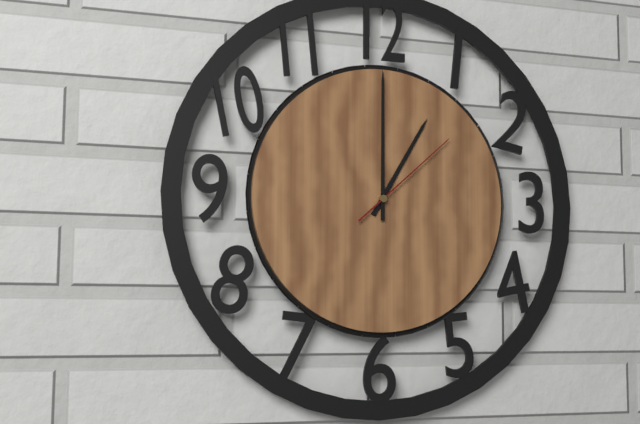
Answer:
h=1 m=0 s=8
